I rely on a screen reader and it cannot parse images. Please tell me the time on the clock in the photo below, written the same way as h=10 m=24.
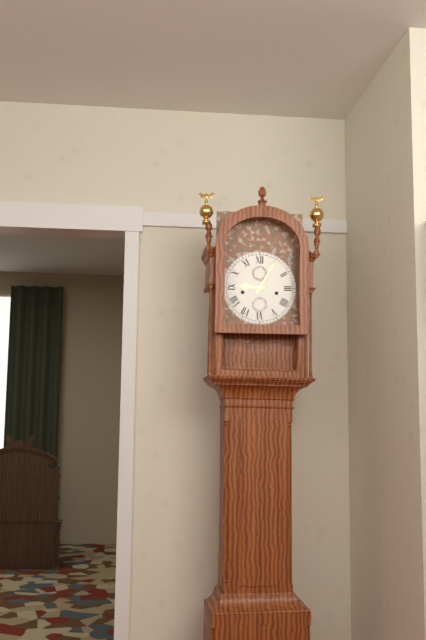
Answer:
h=9 m=5
